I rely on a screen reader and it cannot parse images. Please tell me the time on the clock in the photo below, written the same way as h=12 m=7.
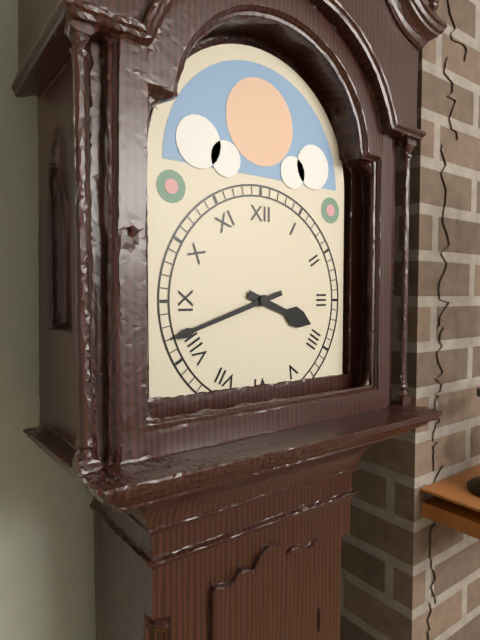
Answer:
h=3 m=42
